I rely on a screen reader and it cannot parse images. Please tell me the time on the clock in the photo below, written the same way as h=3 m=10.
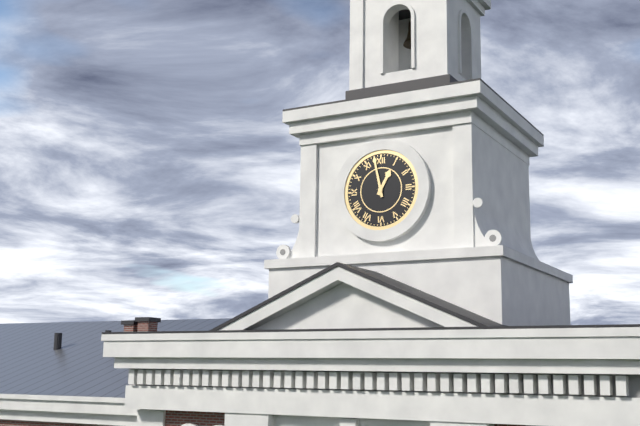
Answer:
h=12 m=58
